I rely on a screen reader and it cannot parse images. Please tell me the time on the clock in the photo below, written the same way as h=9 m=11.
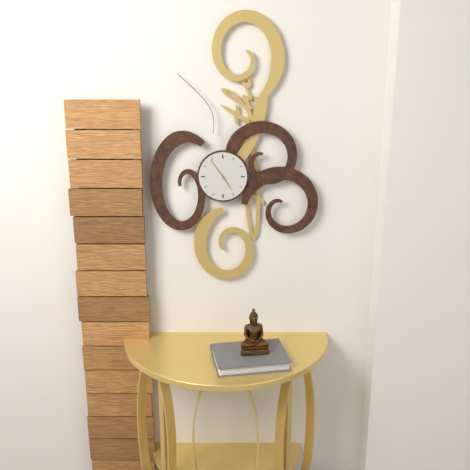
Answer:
h=4 m=54
